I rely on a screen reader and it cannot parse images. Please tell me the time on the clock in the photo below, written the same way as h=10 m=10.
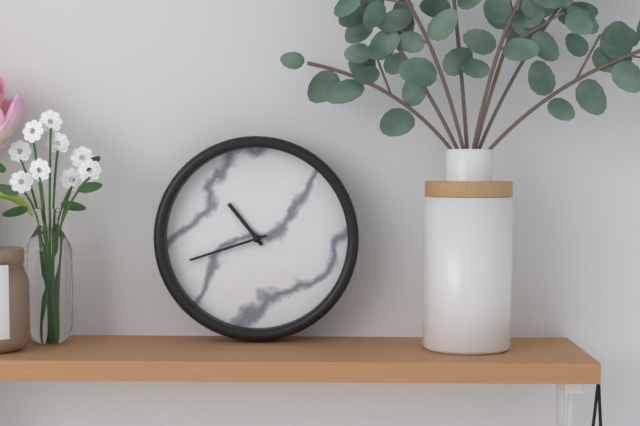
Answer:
h=10 m=42
